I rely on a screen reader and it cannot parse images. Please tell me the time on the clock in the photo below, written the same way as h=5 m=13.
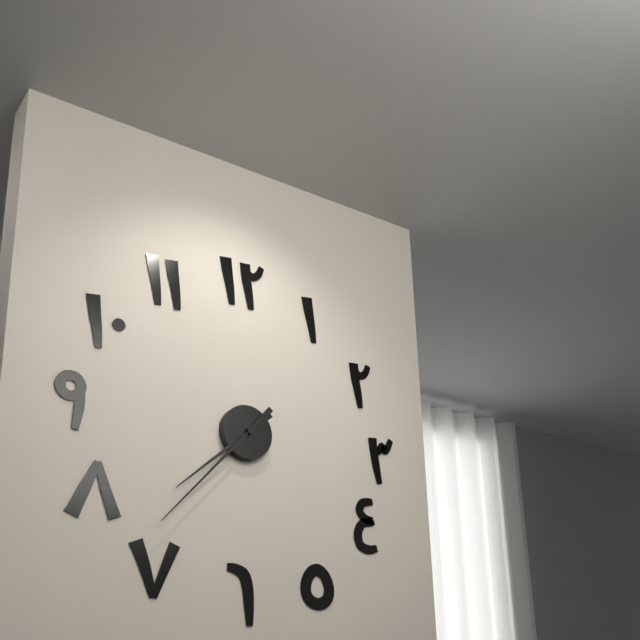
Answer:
h=7 m=37
